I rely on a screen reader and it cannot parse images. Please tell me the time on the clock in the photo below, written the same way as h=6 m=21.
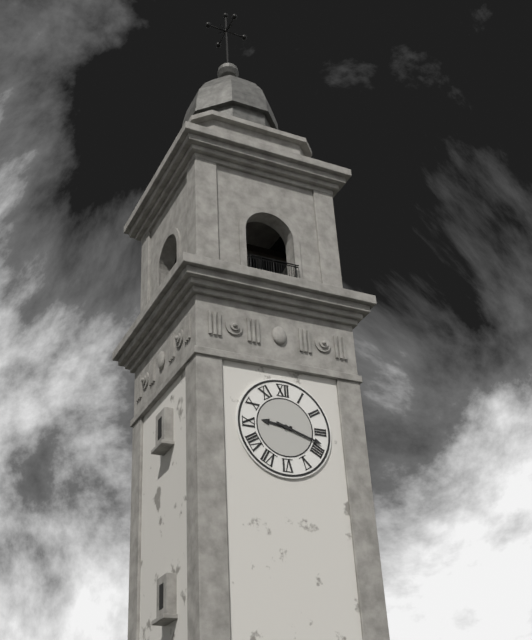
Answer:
h=9 m=18
